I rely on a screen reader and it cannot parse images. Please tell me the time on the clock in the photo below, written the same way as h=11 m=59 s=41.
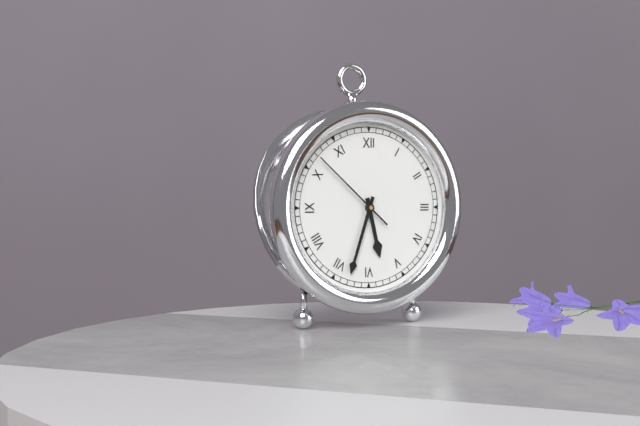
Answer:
h=5 m=33 s=52
